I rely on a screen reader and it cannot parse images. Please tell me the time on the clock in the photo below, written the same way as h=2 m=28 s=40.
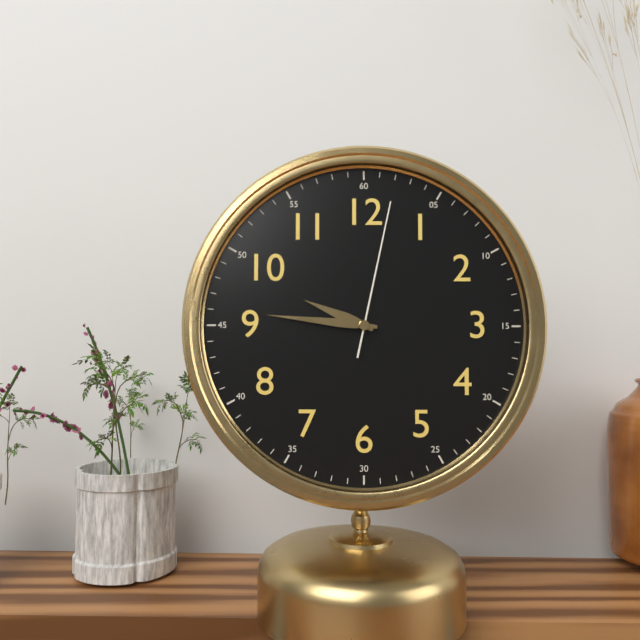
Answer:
h=9 m=46 s=2
